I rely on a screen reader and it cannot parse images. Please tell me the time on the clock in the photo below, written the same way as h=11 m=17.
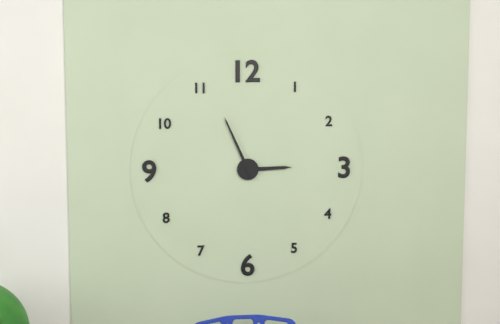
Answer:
h=2 m=56
